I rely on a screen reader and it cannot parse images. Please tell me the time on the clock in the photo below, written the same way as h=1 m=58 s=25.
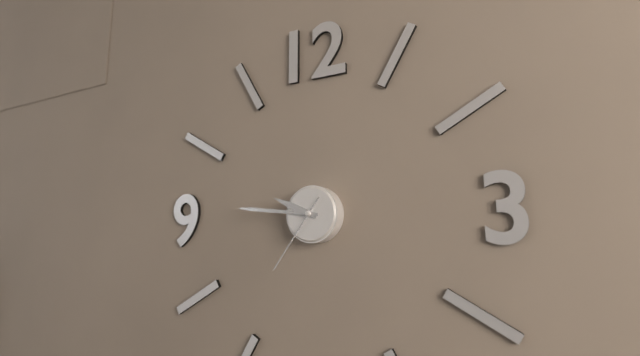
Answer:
h=9 m=46 s=36
